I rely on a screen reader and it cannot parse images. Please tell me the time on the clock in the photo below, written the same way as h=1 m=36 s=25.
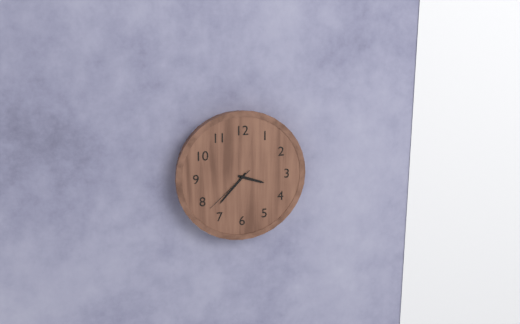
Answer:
h=3 m=37 s=38
